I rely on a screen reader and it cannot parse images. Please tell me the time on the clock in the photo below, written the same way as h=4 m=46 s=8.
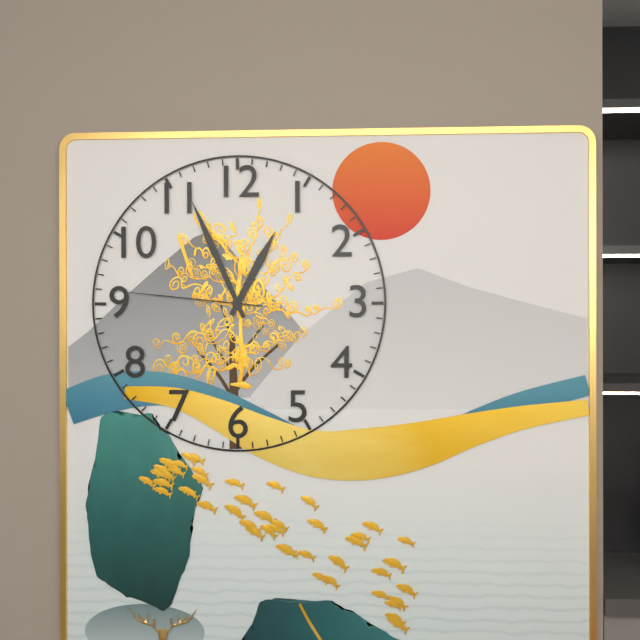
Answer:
h=12 m=56 s=46
